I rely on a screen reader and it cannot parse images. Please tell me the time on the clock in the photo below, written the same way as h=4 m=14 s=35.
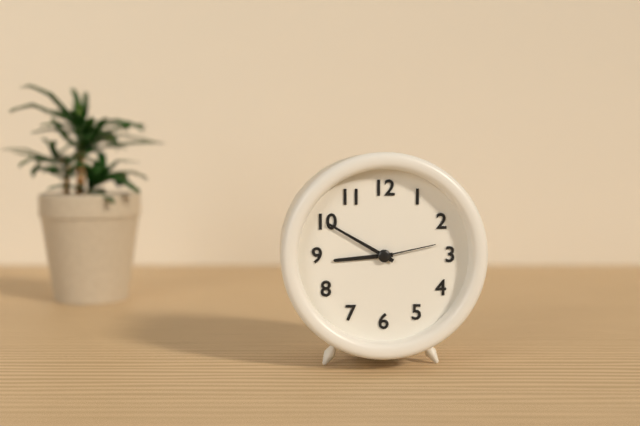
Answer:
h=8 m=50 s=13
